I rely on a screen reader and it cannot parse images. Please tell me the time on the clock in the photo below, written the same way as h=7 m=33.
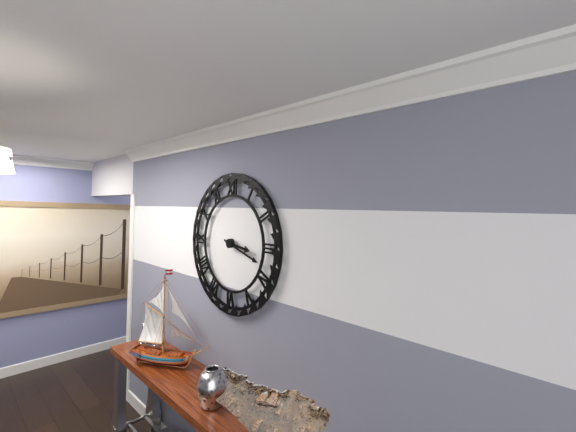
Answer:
h=3 m=18
